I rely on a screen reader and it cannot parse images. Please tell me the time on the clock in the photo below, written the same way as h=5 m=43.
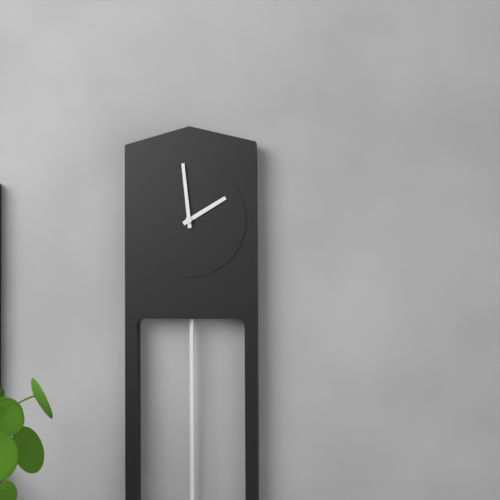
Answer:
h=1 m=59
